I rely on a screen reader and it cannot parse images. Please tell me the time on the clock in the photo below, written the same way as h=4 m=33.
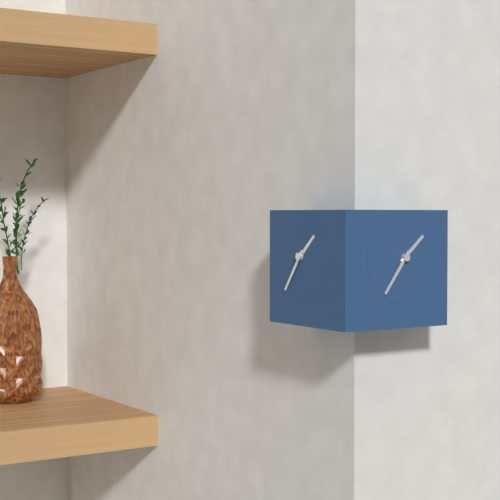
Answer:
h=1 m=36
